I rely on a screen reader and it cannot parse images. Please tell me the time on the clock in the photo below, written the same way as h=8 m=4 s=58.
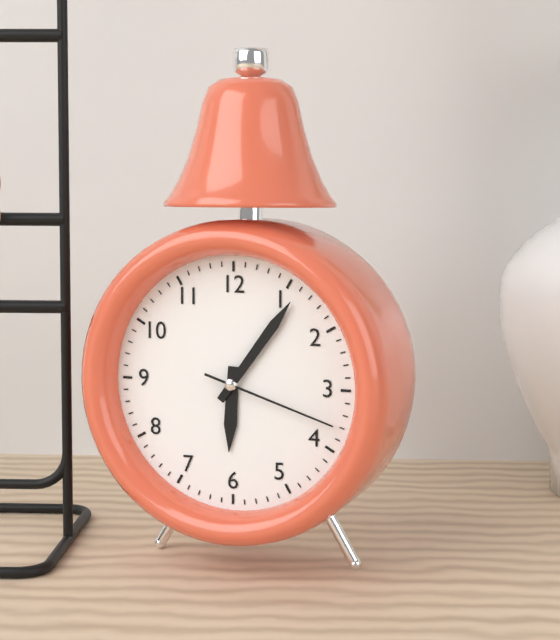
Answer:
h=6 m=6 s=18
